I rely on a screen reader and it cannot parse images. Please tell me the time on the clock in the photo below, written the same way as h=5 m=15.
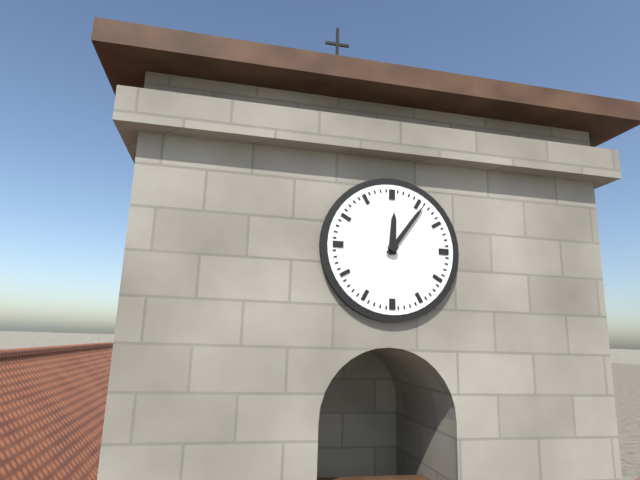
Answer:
h=12 m=6
